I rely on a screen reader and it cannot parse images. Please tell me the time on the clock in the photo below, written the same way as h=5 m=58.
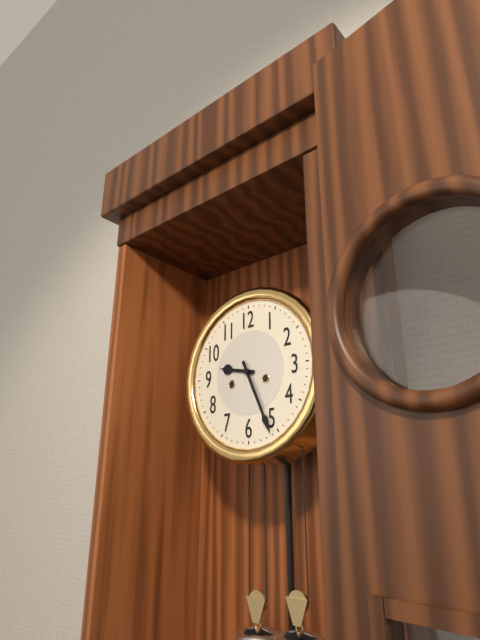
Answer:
h=9 m=26
